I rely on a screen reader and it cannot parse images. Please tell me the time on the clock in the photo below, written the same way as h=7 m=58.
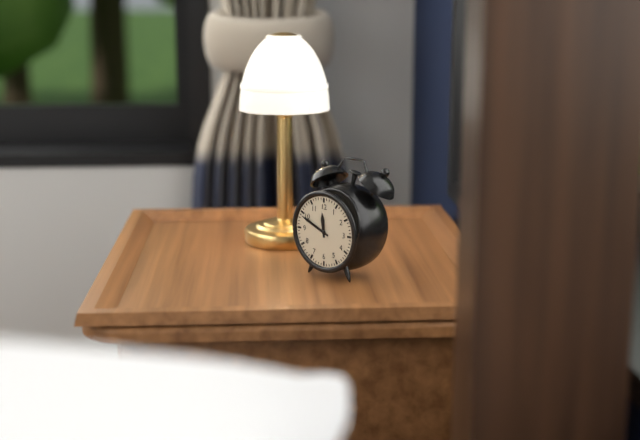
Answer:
h=11 m=49
